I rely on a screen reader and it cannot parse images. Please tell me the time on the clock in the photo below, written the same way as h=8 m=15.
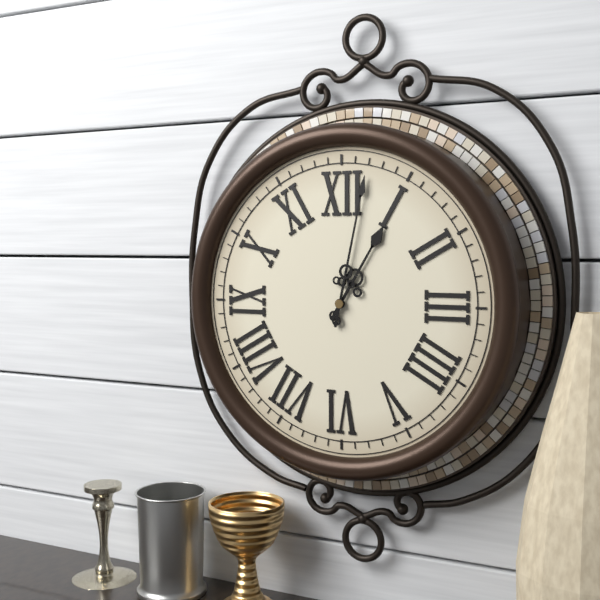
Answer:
h=1 m=2
